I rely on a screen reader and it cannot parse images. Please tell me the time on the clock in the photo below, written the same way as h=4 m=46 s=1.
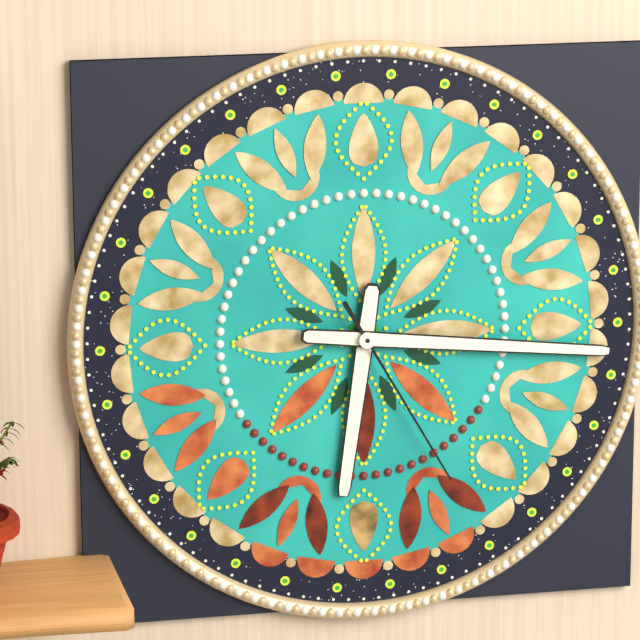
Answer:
h=6 m=16 s=25
